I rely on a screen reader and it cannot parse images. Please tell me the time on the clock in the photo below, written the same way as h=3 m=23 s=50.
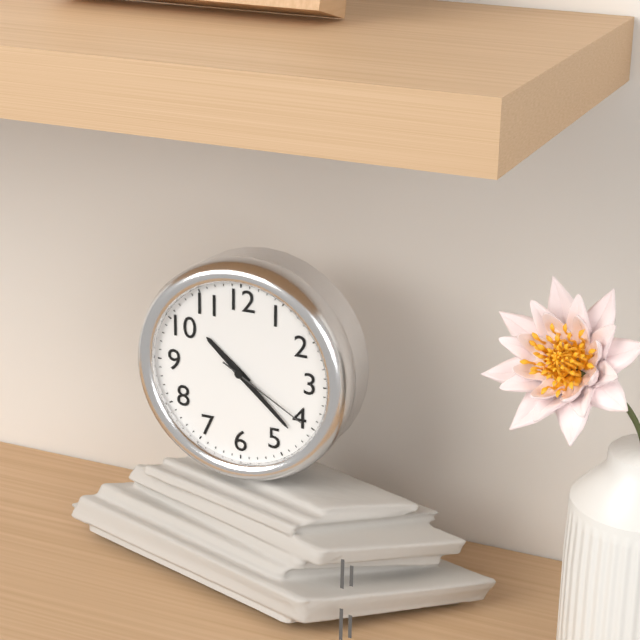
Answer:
h=10 m=22 s=20
